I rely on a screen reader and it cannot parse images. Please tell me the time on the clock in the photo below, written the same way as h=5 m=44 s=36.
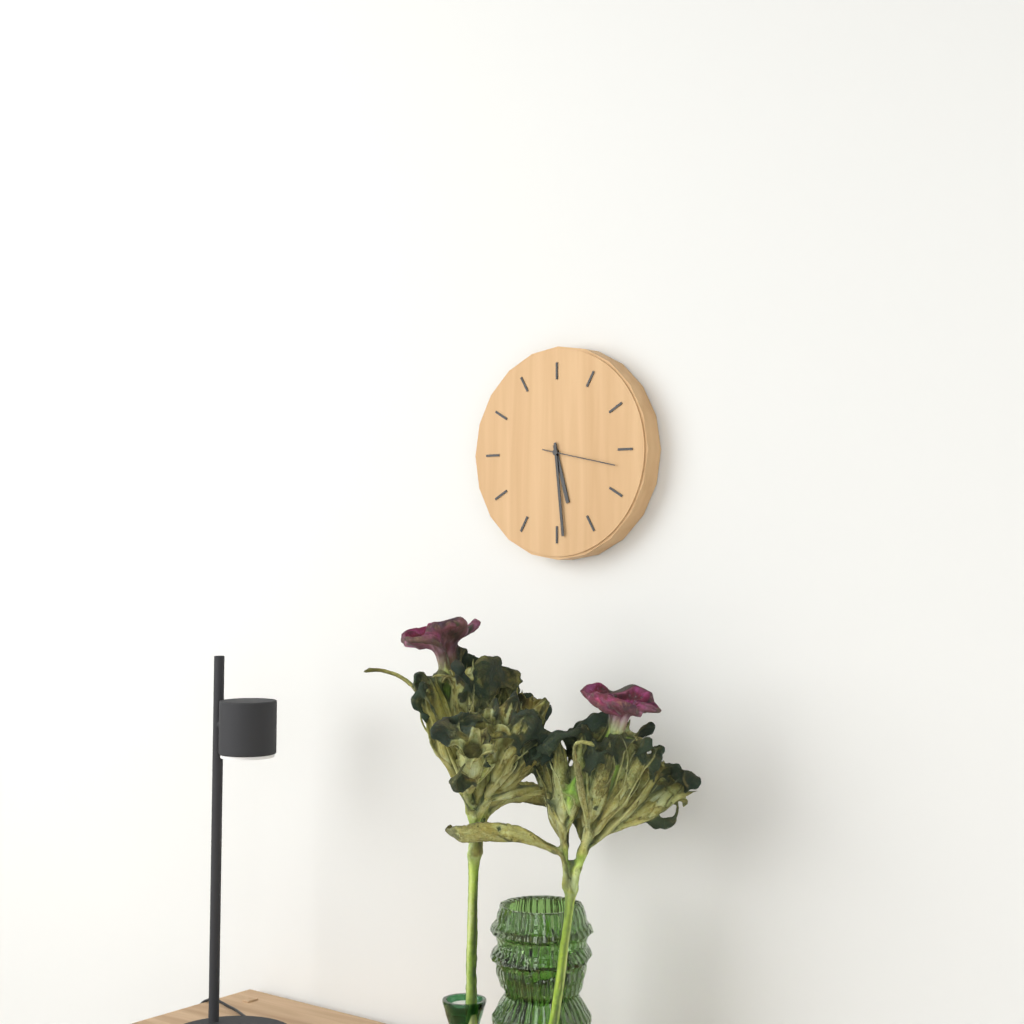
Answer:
h=5 m=29 s=17
